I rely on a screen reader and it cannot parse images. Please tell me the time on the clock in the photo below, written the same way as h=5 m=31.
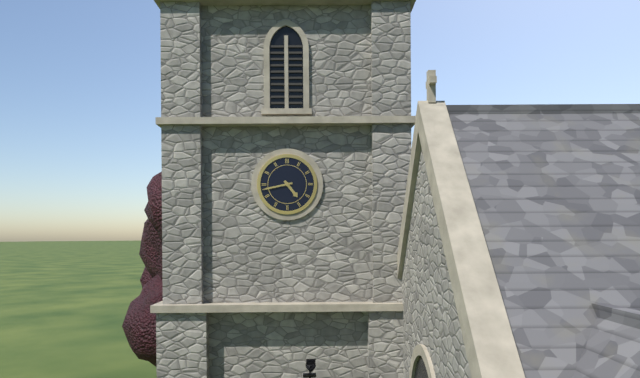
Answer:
h=4 m=43
